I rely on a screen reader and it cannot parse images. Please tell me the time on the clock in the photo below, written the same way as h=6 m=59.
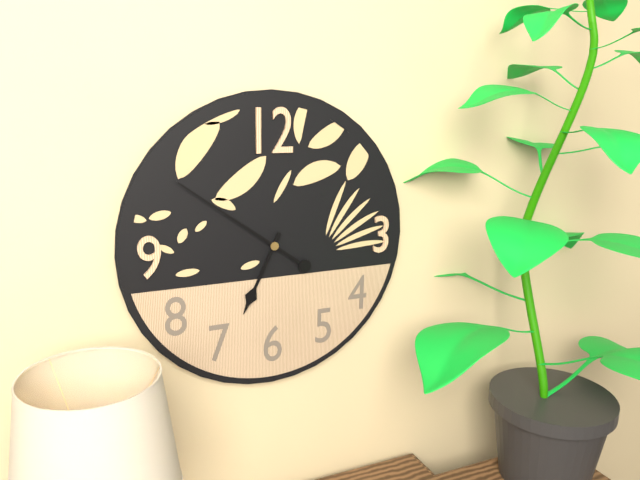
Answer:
h=6 m=51
